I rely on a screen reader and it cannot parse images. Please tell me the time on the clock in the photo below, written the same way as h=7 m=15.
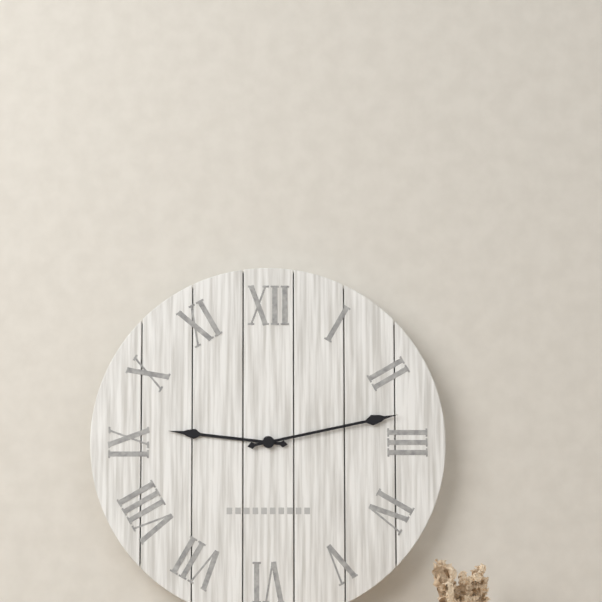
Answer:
h=9 m=13
